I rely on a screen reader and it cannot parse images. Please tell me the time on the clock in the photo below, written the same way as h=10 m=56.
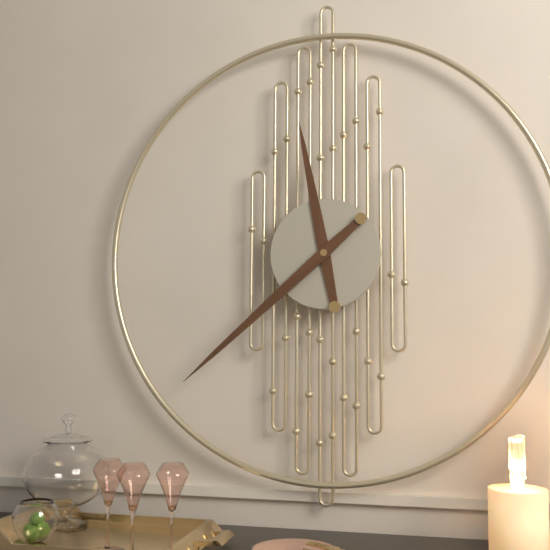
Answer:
h=11 m=38
